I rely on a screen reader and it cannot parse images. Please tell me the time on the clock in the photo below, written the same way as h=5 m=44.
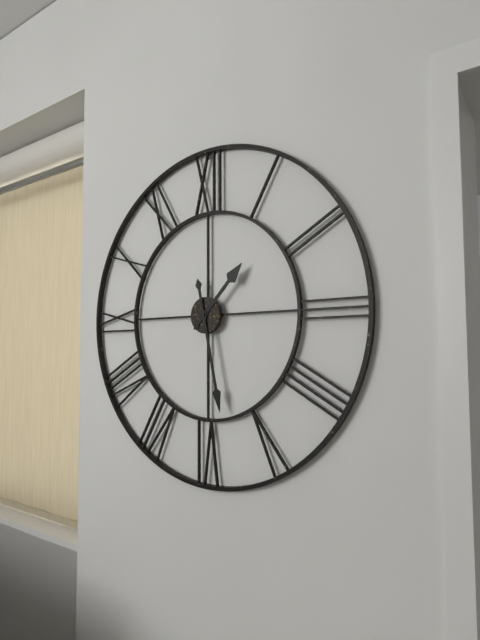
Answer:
h=1 m=28
